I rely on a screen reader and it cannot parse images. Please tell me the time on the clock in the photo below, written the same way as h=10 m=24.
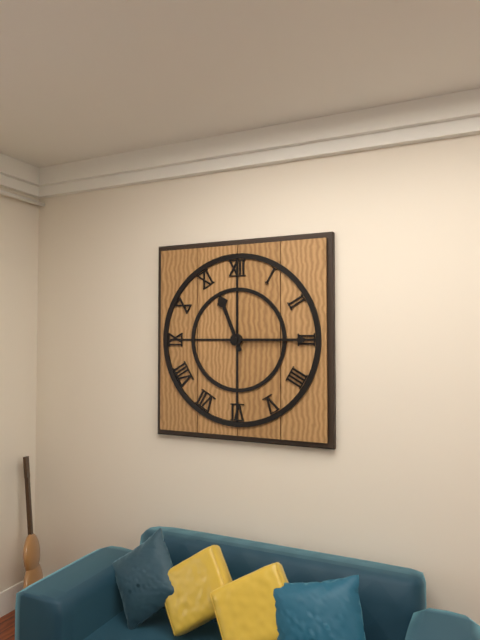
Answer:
h=11 m=15
